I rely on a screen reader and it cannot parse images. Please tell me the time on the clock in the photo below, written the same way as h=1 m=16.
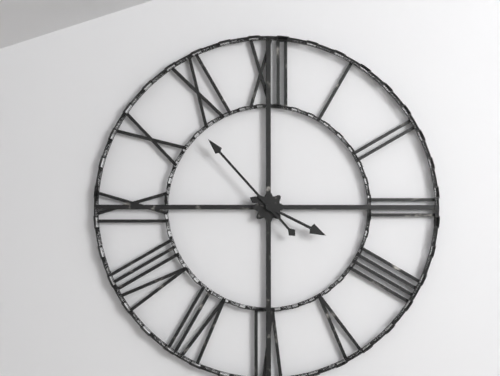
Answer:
h=3 m=53
